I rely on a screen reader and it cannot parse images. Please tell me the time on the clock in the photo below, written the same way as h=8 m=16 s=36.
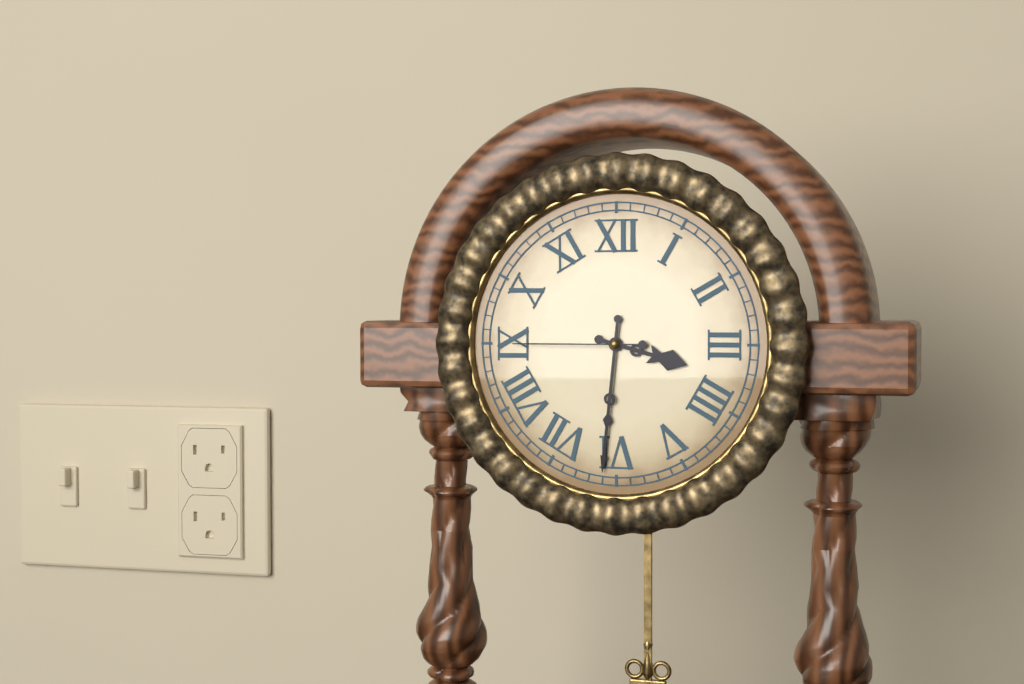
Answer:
h=3 m=31 s=45
